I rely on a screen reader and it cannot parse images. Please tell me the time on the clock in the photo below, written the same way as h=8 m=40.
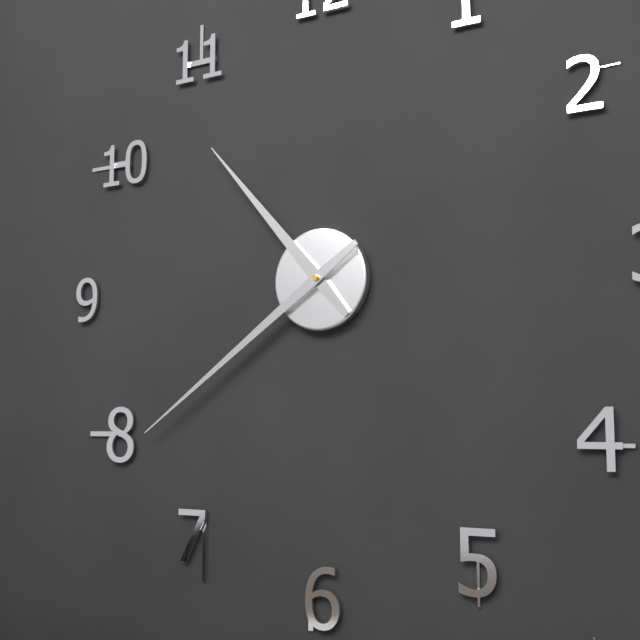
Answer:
h=10 m=39
